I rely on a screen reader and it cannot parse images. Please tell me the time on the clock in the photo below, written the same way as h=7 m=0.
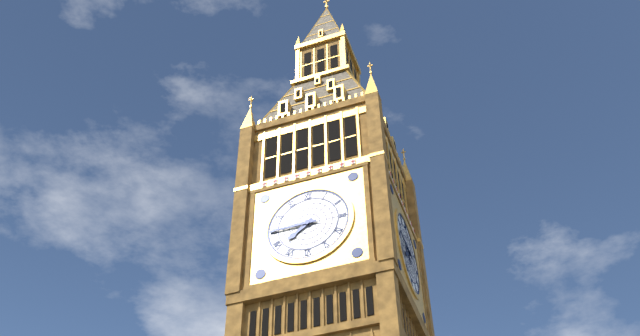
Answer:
h=7 m=45
